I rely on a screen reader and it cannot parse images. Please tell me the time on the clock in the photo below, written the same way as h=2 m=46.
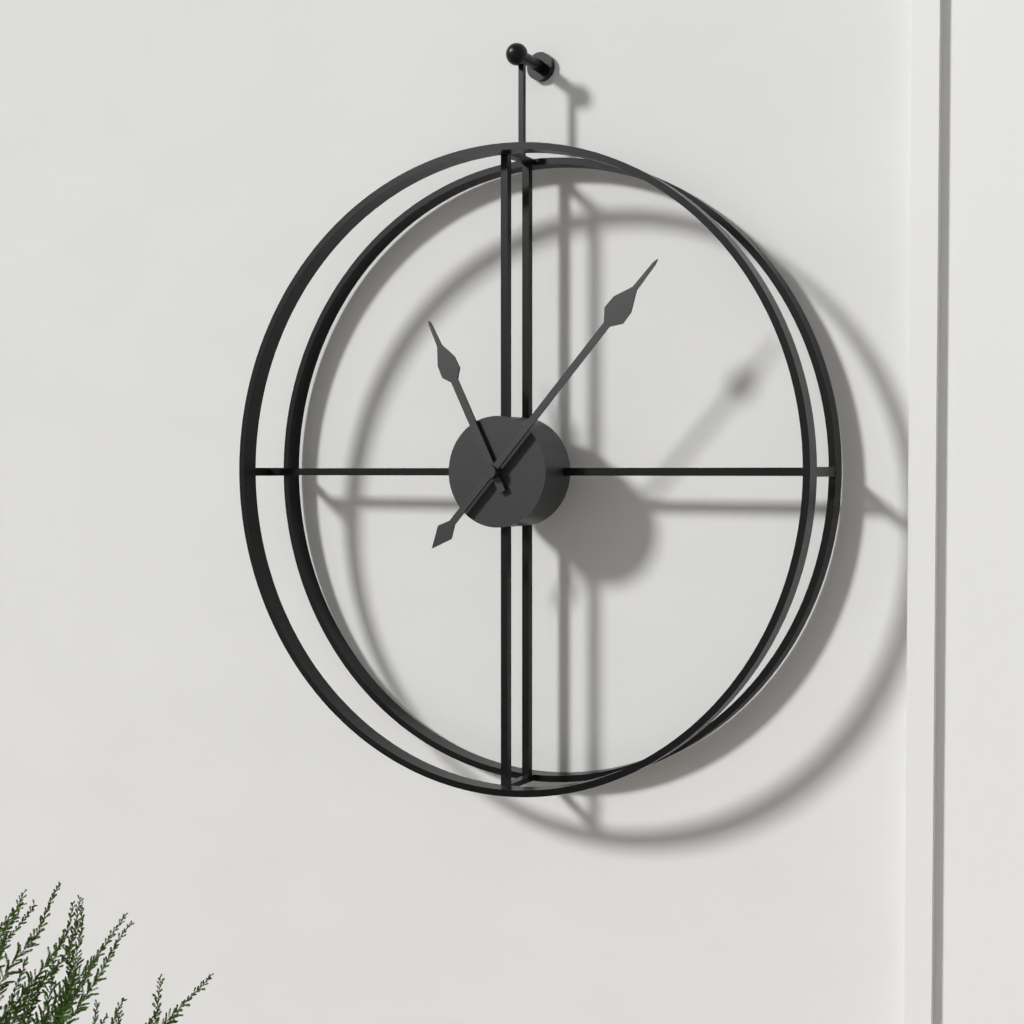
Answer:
h=11 m=7
